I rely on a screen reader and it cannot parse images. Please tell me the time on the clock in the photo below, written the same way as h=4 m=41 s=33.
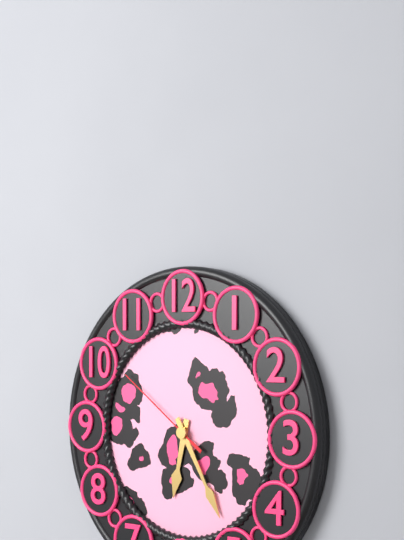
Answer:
h=6 m=25 s=51
